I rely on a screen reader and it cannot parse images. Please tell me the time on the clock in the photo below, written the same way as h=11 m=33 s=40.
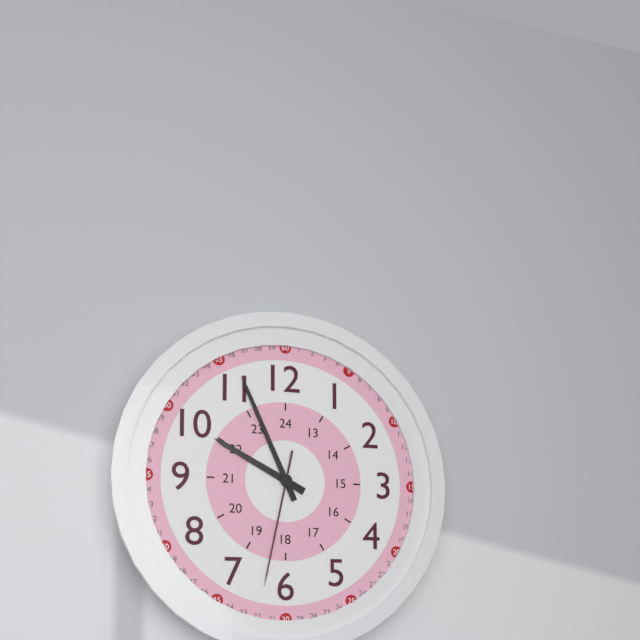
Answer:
h=9 m=56 s=32
